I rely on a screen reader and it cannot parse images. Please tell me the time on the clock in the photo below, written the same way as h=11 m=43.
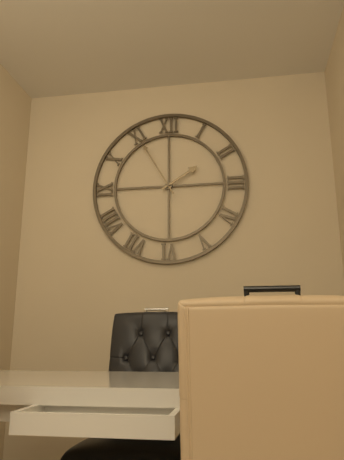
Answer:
h=1 m=55
